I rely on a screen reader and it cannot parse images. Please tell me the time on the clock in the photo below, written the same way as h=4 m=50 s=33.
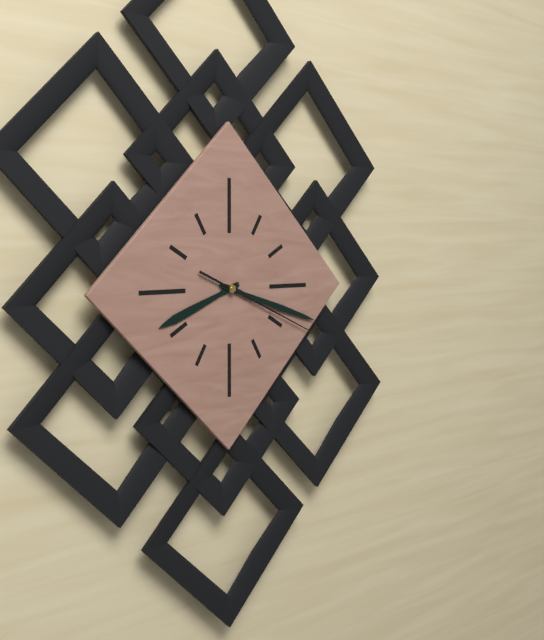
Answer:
h=8 m=18 s=19
